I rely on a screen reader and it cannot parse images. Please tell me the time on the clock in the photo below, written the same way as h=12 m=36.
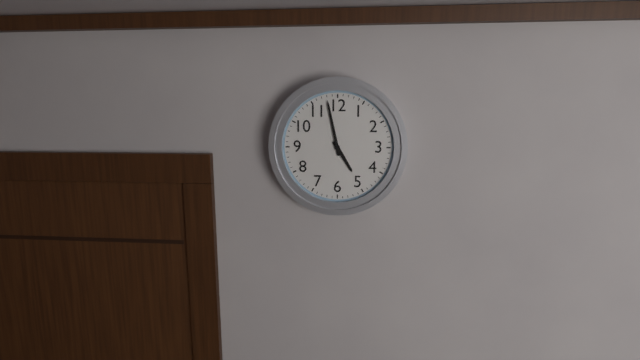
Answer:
h=4 m=58
